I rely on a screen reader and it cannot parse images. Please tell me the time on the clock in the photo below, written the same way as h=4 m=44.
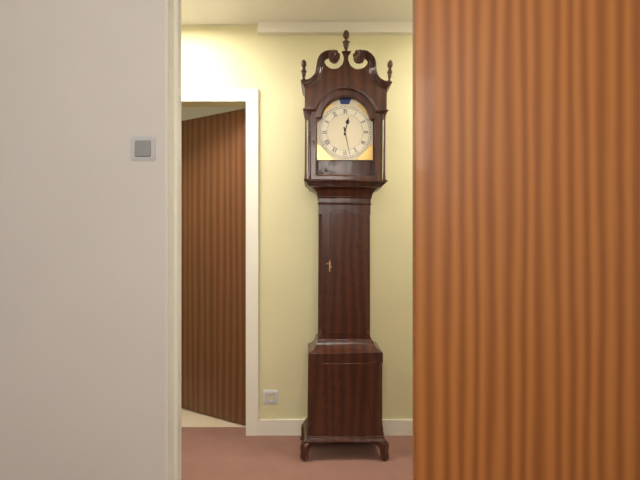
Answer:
h=12 m=28
